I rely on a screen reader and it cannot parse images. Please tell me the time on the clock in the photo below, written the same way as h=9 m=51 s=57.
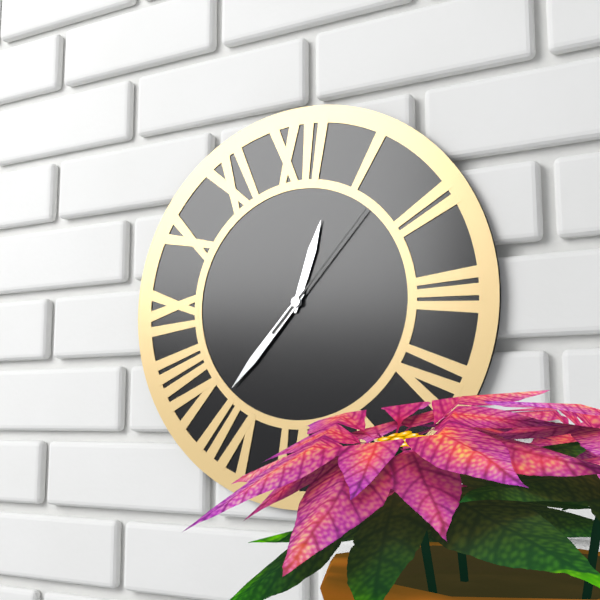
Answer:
h=12 m=37 s=7
